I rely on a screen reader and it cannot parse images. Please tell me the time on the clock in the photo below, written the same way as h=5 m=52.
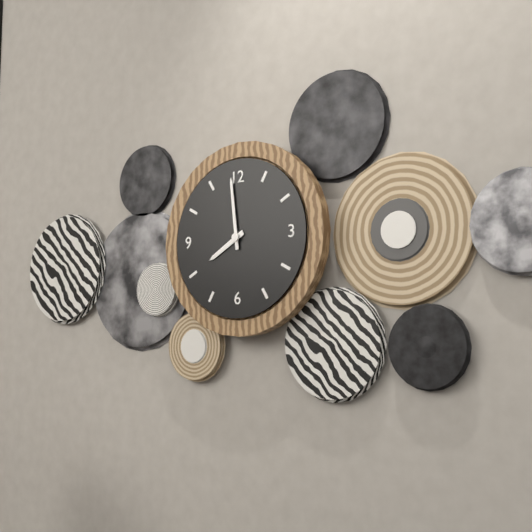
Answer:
h=7 m=59
